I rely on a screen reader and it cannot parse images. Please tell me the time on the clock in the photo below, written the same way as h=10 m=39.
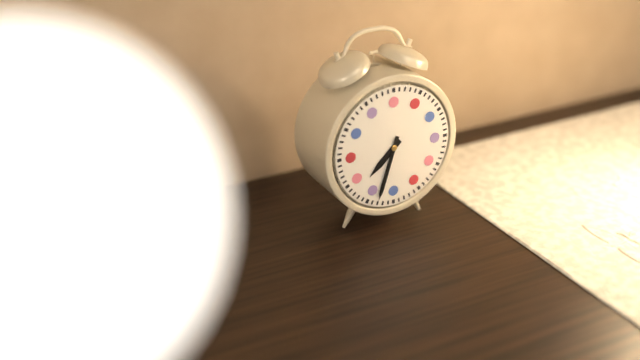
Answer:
h=7 m=33
